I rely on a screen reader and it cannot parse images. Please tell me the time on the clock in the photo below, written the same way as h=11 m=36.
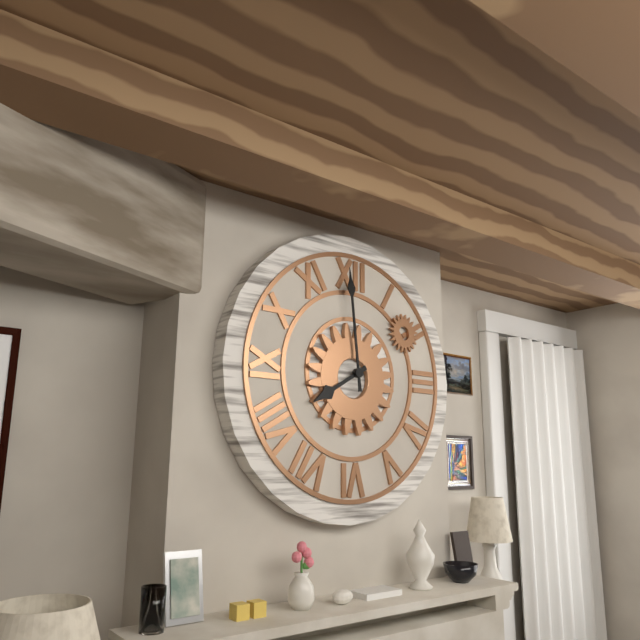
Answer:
h=7 m=59
